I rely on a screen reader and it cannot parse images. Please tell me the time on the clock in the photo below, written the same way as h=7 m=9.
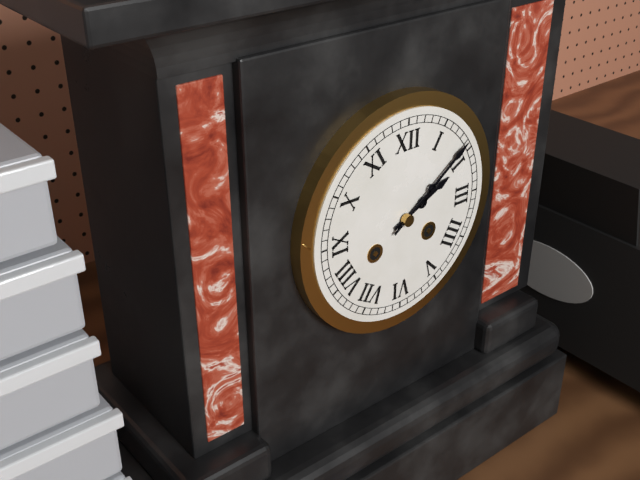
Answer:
h=2 m=9
